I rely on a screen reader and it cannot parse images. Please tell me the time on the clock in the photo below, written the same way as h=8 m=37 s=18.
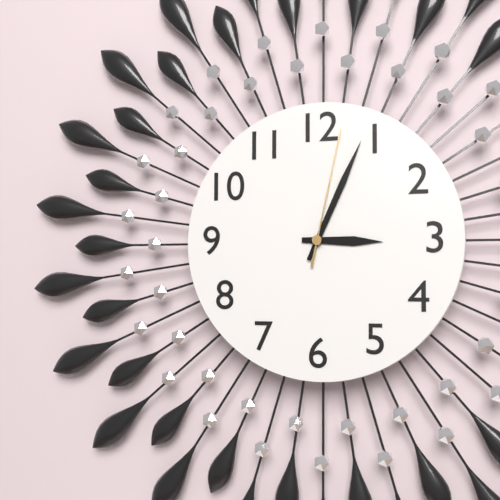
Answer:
h=3 m=4 s=2
